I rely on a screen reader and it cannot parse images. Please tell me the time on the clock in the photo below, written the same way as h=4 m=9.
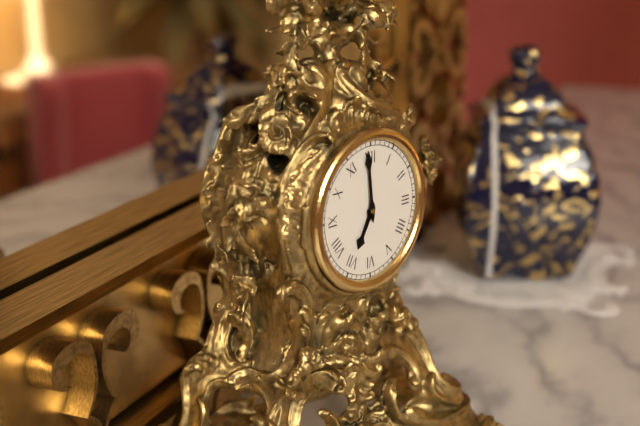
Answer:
h=6 m=59
